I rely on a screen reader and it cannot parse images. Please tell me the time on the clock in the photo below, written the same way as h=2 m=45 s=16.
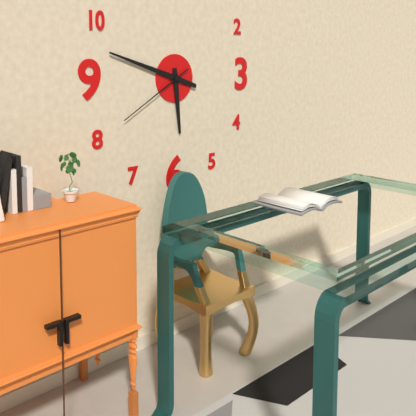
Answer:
h=5 m=48 s=40
